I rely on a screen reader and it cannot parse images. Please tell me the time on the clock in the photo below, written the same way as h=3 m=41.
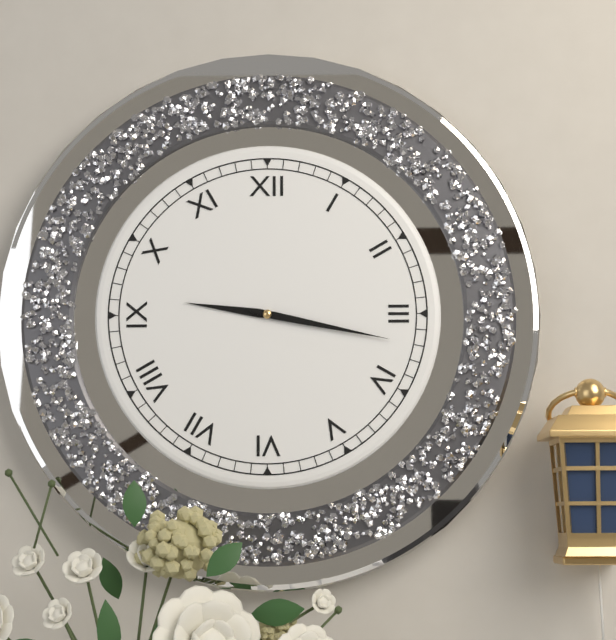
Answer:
h=9 m=17
